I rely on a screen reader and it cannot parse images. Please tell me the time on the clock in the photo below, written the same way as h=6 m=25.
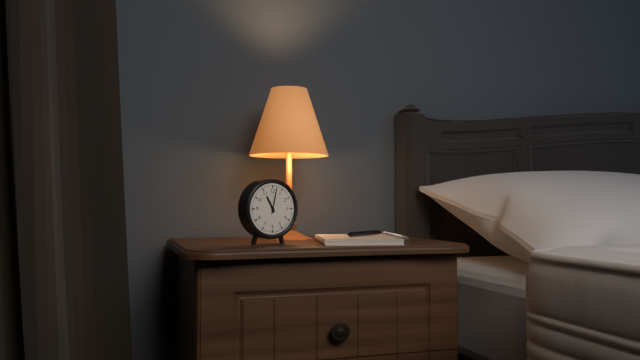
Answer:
h=11 m=2
